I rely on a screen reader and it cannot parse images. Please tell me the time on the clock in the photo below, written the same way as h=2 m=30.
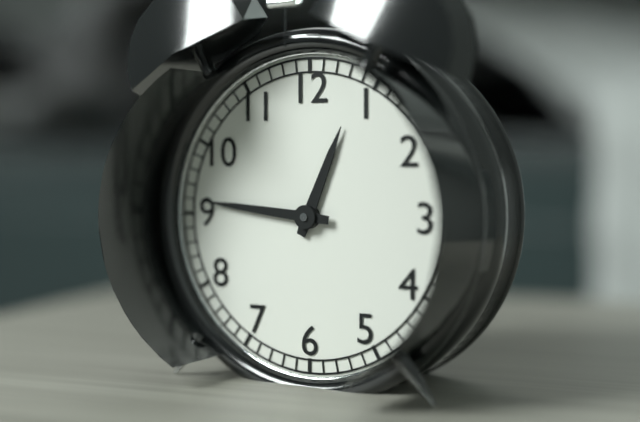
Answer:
h=12 m=46
